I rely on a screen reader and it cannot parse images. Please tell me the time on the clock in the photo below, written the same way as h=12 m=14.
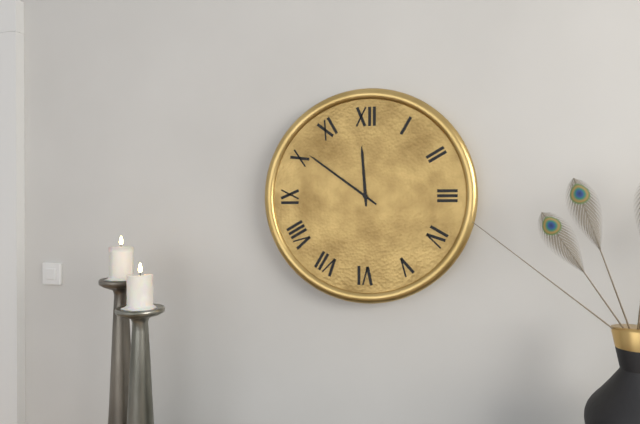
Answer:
h=11 m=51
